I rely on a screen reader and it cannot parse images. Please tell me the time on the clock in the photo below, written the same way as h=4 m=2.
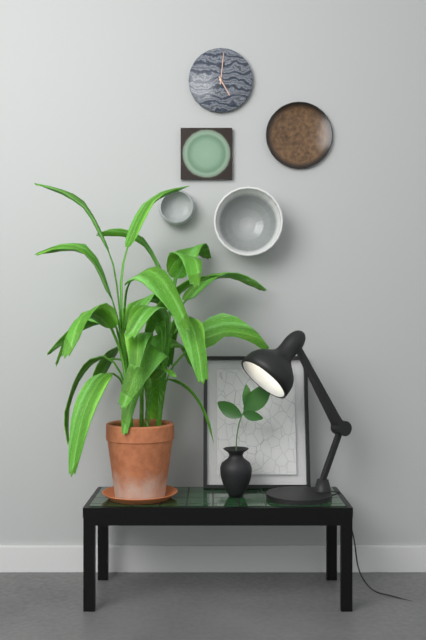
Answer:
h=5 m=1
